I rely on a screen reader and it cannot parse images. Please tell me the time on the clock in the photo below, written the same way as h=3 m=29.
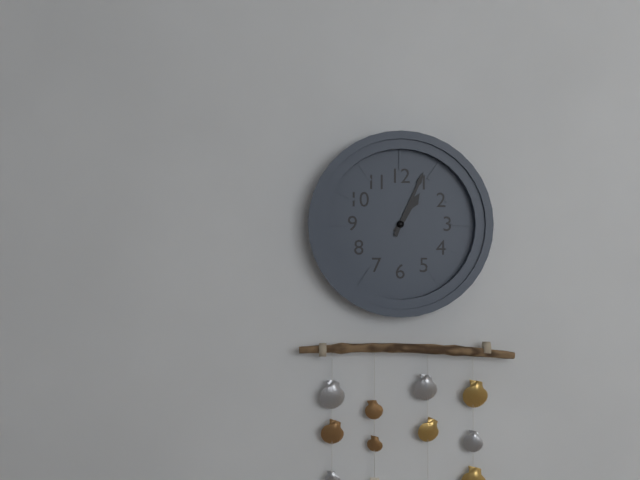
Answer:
h=1 m=4
